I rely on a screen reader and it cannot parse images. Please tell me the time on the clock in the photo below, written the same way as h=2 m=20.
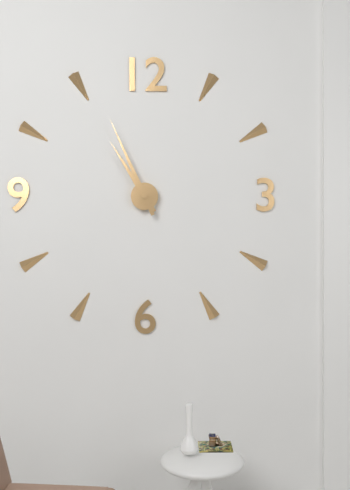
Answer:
h=10 m=56
